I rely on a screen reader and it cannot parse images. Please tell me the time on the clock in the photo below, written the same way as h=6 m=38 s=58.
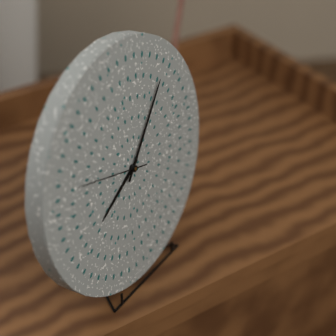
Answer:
h=8 m=7 s=48
